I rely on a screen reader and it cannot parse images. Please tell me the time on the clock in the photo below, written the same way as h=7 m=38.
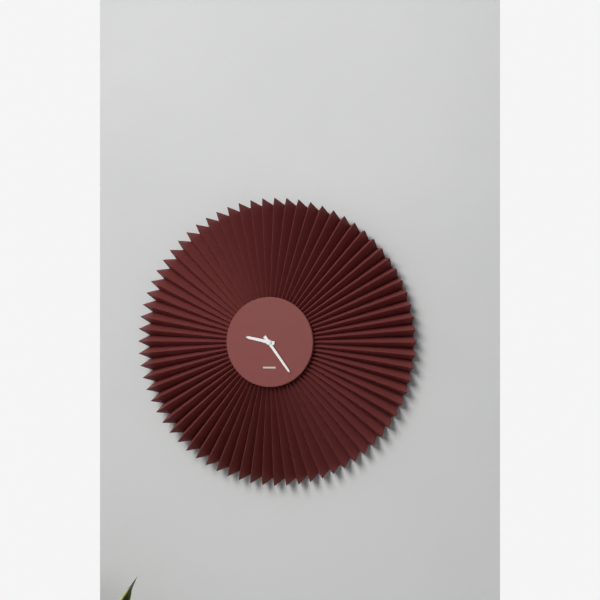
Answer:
h=9 m=24
